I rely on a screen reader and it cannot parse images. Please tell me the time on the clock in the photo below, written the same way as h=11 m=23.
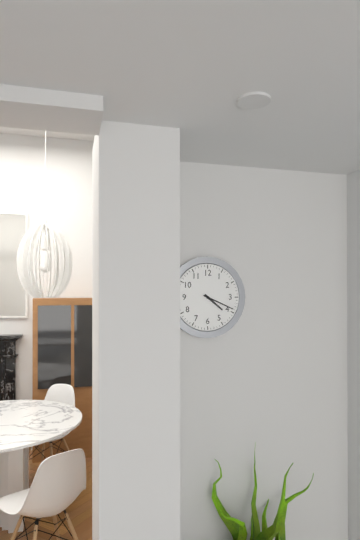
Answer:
h=4 m=19
